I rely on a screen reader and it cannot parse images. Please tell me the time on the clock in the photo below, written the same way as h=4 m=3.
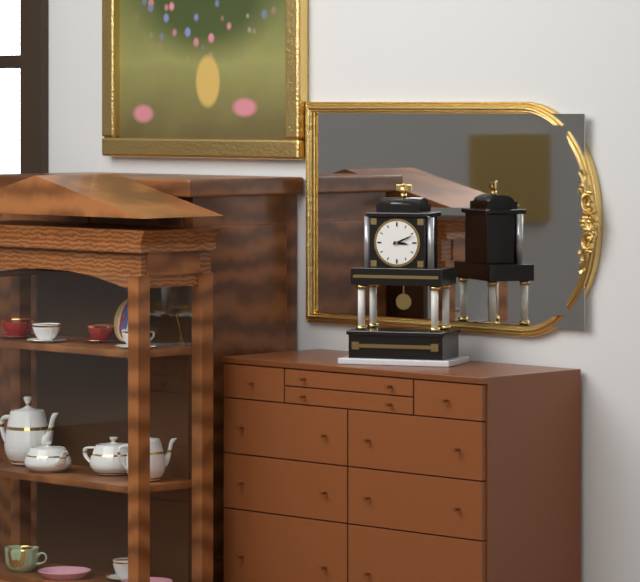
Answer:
h=3 m=11
